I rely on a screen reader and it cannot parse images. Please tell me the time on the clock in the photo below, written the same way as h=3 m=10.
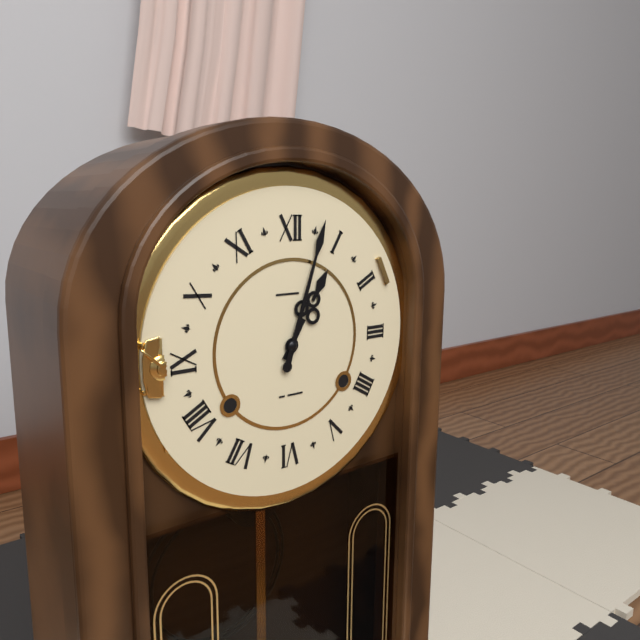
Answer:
h=1 m=3
